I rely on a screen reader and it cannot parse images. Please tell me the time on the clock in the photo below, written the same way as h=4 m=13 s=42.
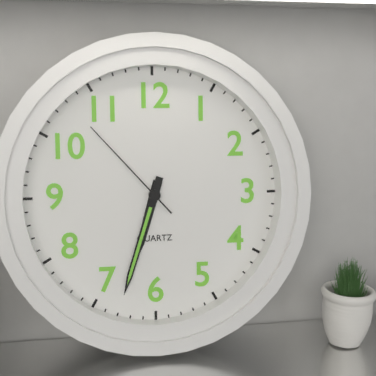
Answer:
h=6 m=33 s=53
